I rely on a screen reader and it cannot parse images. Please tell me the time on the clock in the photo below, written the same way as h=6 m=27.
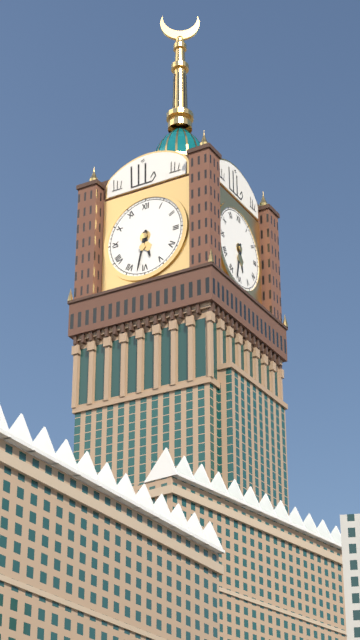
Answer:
h=5 m=32
